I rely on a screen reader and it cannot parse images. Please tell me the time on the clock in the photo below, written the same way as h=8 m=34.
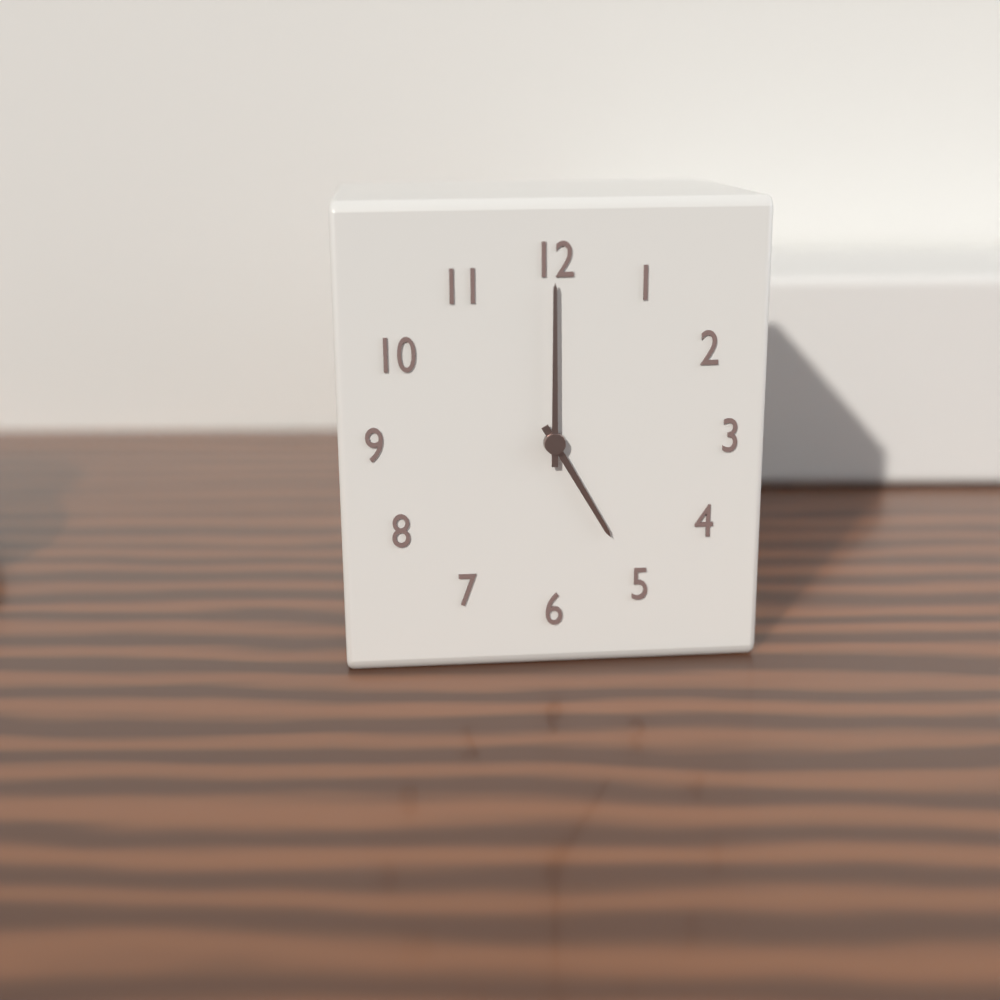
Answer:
h=5 m=0
